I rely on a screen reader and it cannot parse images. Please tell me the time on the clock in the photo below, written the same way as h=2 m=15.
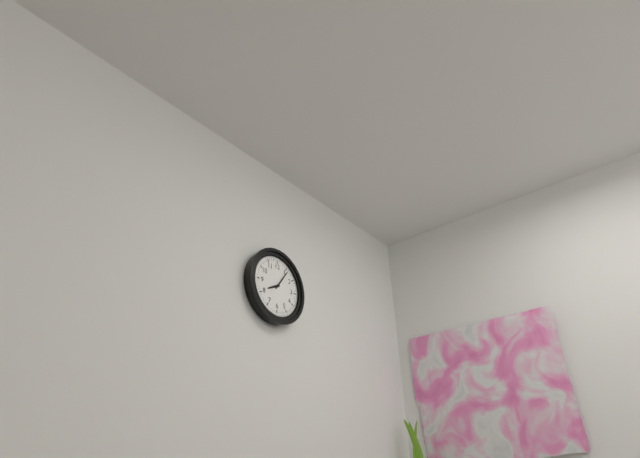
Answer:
h=8 m=6
